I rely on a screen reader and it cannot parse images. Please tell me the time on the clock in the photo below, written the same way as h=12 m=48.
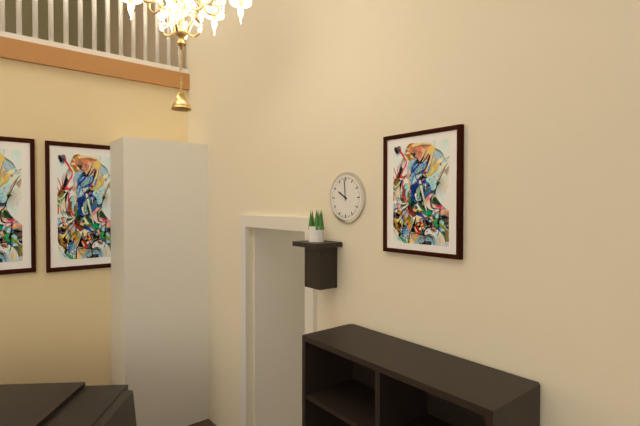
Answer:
h=9 m=59
